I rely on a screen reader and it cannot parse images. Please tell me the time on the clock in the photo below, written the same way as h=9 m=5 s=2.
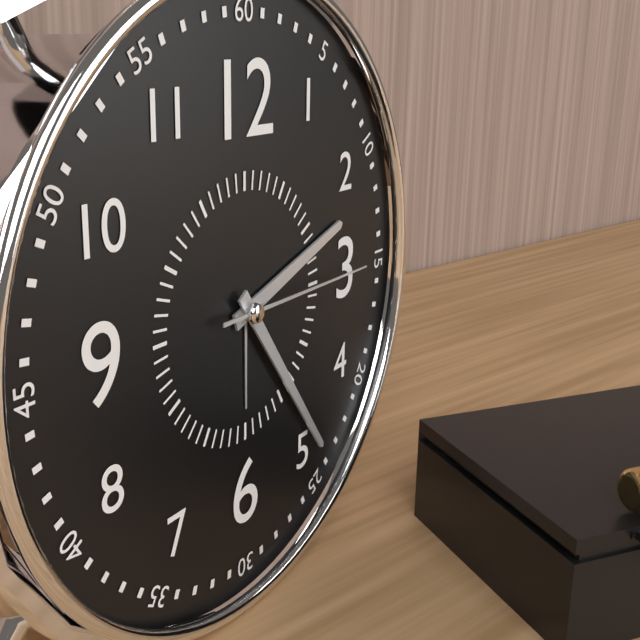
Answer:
h=2 m=24 s=15
